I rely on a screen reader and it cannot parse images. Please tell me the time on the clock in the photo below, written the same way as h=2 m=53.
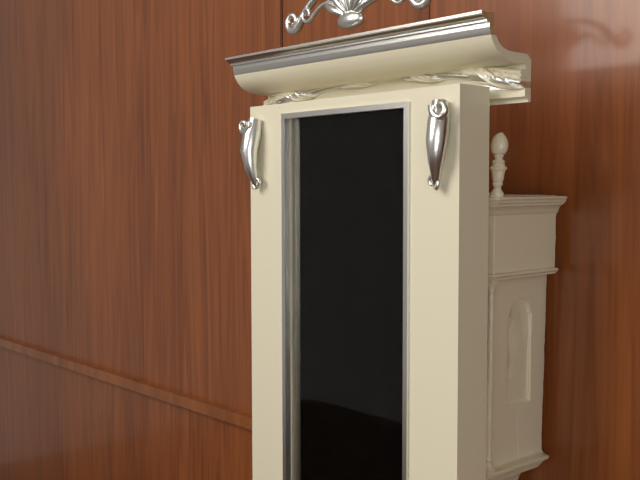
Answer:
h=3 m=35
